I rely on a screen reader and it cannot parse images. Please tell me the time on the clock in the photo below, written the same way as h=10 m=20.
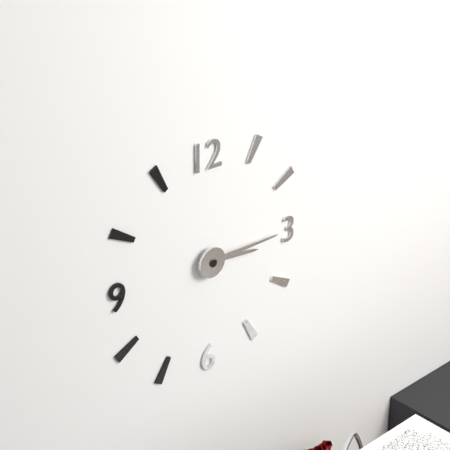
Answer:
h=3 m=15
